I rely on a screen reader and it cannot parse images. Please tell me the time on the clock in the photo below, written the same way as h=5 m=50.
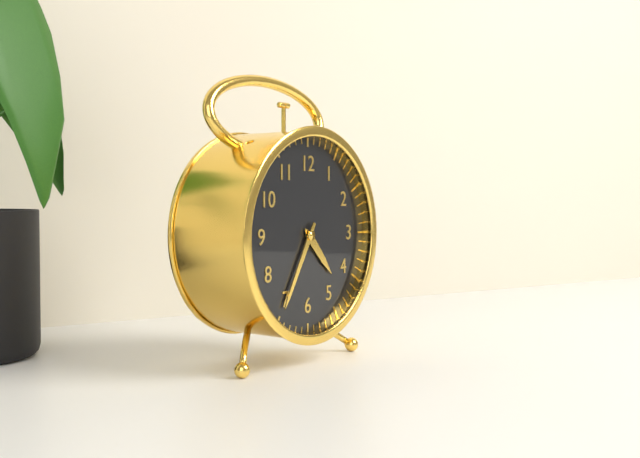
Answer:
h=4 m=35
